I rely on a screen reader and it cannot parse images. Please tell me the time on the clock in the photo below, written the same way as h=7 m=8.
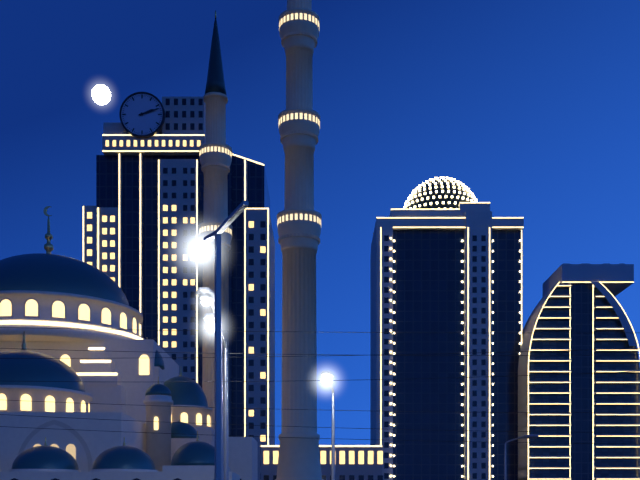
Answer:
h=2 m=12
